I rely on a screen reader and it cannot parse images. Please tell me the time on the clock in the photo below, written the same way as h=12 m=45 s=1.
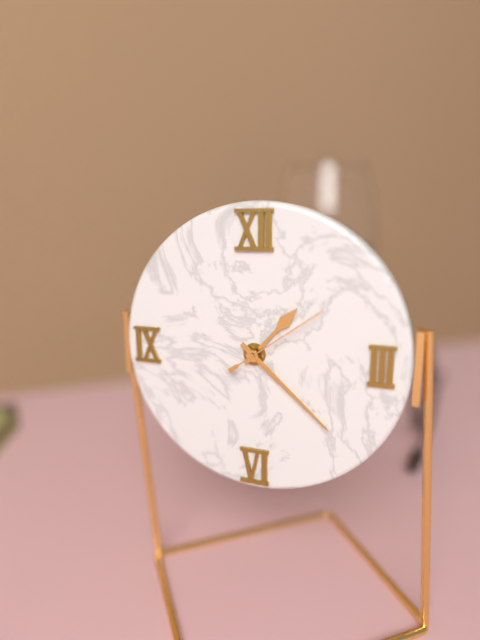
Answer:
h=1 m=22 s=9
